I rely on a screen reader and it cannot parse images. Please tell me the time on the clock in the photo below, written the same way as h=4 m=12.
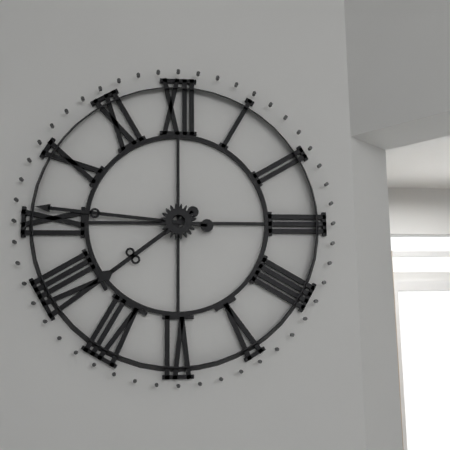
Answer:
h=7 m=46
